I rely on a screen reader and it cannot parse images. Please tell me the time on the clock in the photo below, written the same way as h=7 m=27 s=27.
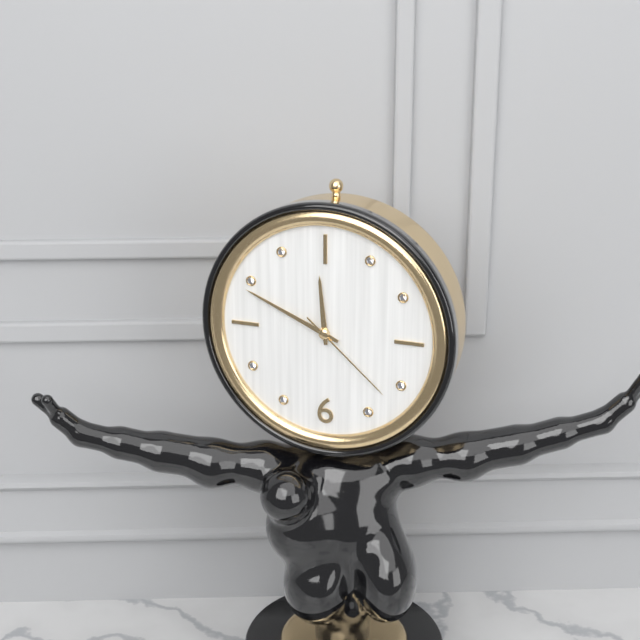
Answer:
h=11 m=49 s=22
